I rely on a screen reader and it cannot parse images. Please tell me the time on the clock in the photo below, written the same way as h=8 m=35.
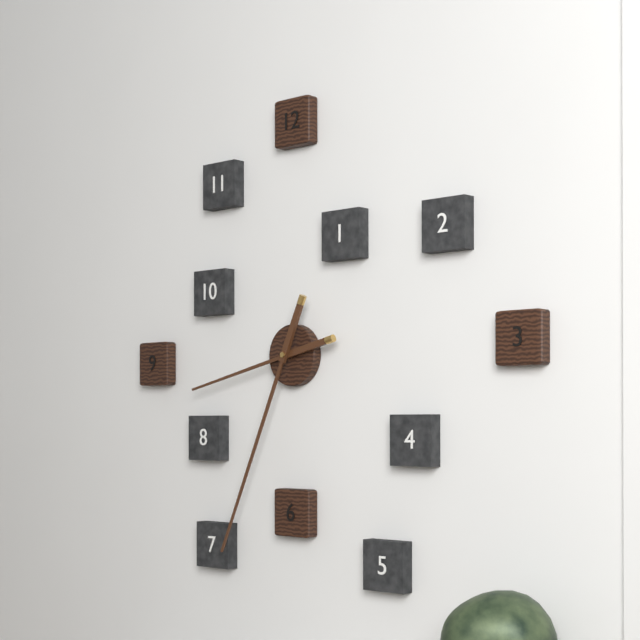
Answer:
h=8 m=34
